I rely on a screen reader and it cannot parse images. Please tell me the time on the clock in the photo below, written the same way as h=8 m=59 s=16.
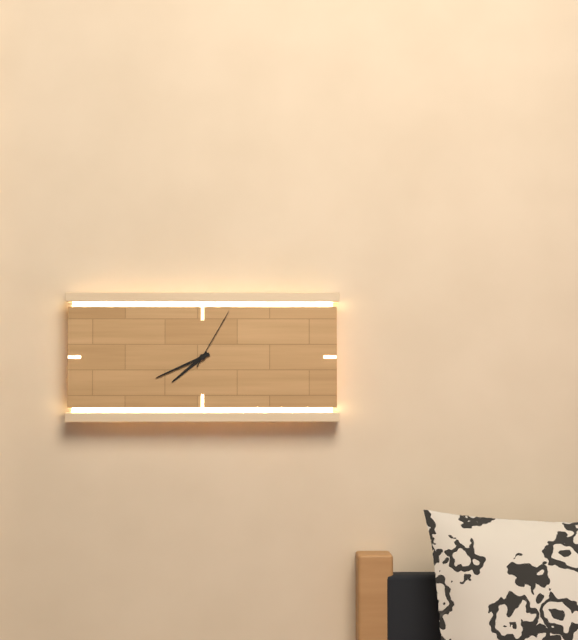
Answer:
h=7 m=41 s=5
